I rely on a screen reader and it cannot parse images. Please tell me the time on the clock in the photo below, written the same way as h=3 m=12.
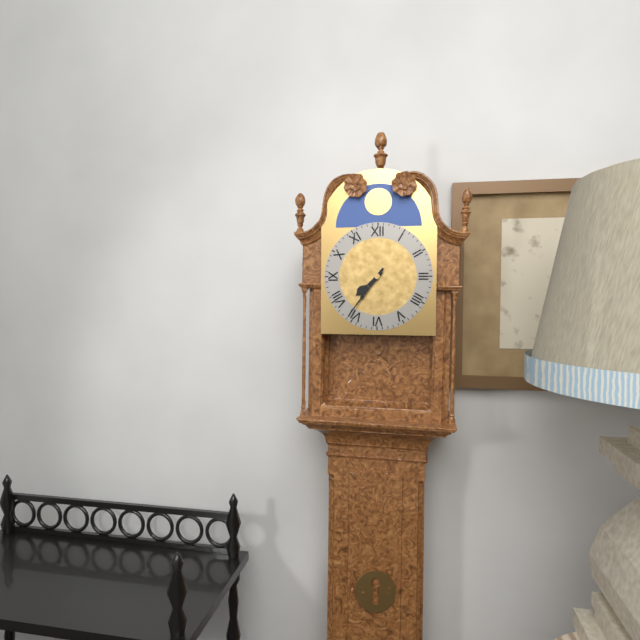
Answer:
h=7 m=36
